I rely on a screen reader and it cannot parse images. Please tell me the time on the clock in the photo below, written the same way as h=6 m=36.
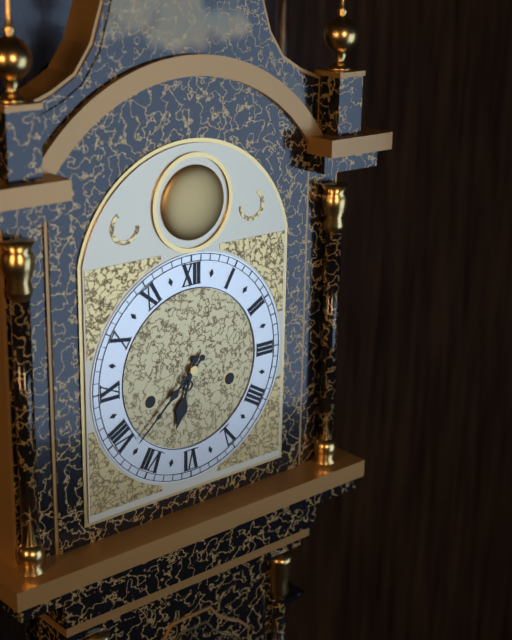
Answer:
h=6 m=38
